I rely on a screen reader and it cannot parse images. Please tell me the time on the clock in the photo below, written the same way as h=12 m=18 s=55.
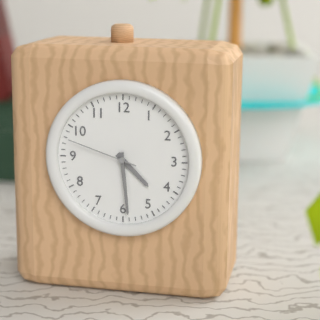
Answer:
h=4 m=29 s=48
